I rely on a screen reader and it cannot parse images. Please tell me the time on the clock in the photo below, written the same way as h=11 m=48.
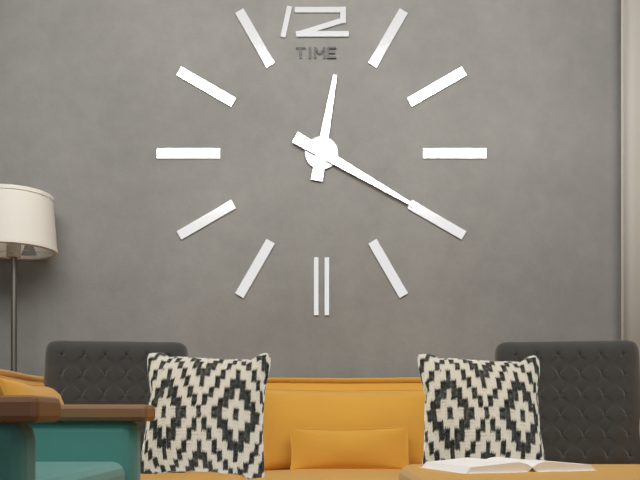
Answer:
h=12 m=20
